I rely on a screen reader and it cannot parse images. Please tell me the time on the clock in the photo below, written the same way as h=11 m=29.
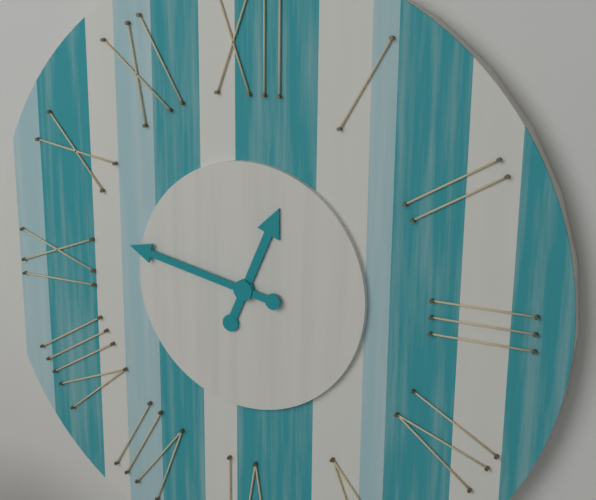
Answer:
h=12 m=47
